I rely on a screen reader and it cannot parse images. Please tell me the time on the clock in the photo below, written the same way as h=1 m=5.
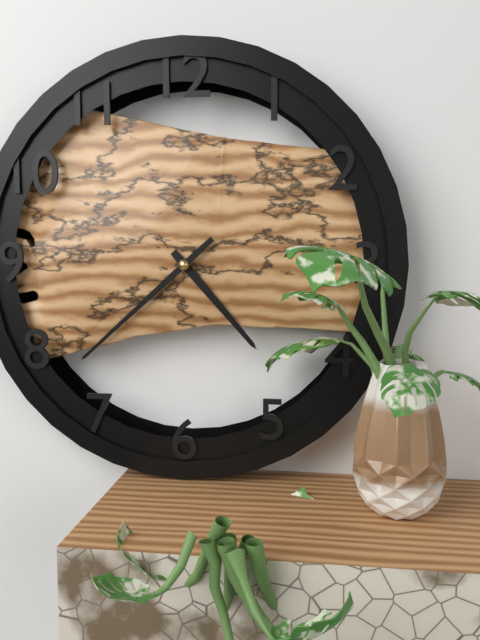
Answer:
h=4 m=38
